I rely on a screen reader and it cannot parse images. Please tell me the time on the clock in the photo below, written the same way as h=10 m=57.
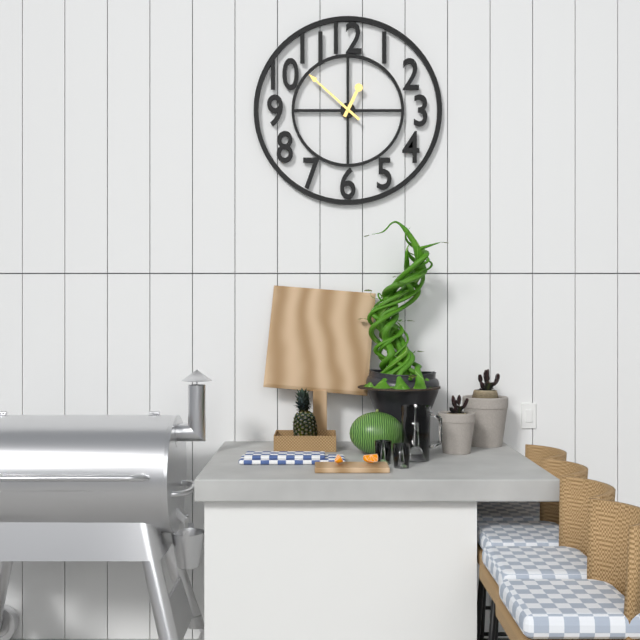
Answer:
h=12 m=52
